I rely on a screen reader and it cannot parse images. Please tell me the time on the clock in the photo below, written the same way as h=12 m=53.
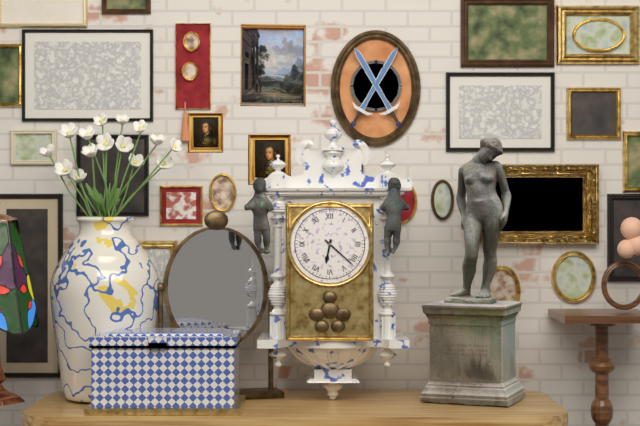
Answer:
h=6 m=22
